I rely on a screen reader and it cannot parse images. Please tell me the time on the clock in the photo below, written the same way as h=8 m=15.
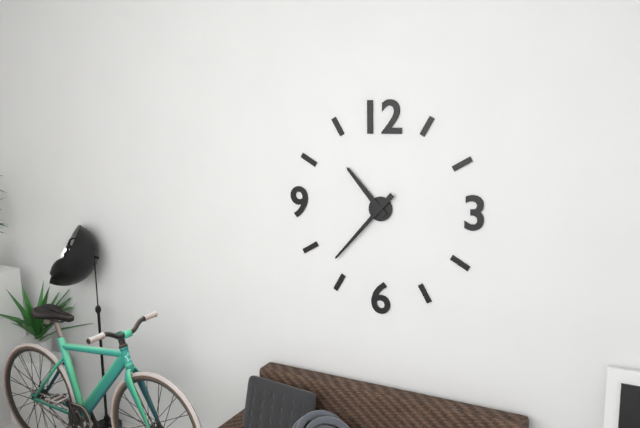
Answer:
h=10 m=37
